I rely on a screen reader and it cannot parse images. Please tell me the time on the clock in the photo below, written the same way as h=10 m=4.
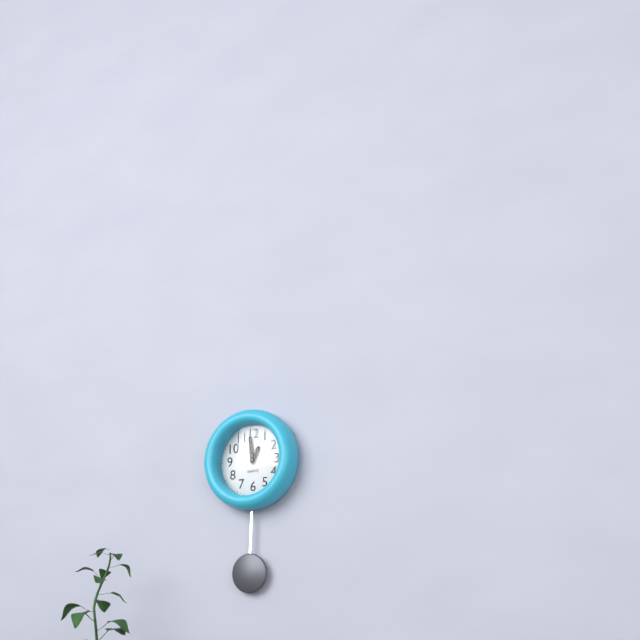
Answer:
h=12 m=59
